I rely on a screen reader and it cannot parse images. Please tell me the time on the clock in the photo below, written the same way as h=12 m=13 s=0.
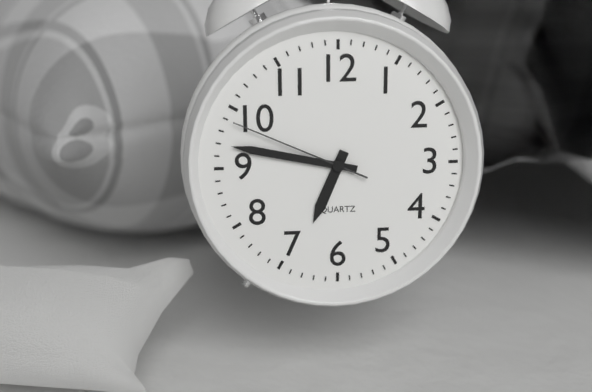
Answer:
h=6 m=47 s=49
